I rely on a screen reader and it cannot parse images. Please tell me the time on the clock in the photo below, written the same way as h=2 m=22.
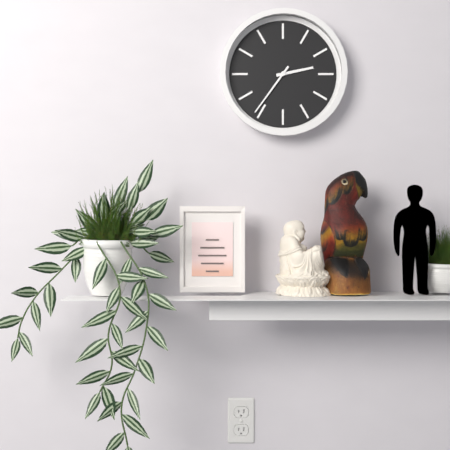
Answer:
h=2 m=36
